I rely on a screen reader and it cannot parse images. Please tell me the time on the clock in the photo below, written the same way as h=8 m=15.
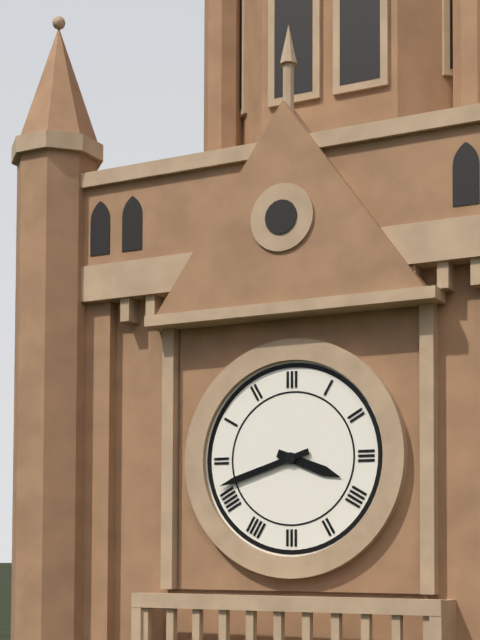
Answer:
h=3 m=42
